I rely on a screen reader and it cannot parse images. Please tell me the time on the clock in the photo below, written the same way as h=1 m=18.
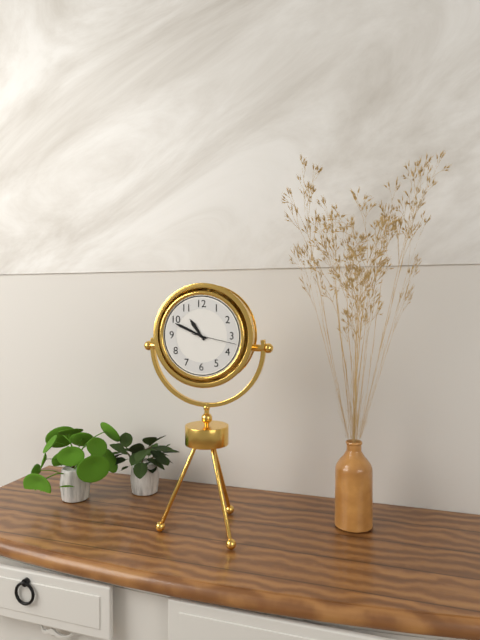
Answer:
h=10 m=49
